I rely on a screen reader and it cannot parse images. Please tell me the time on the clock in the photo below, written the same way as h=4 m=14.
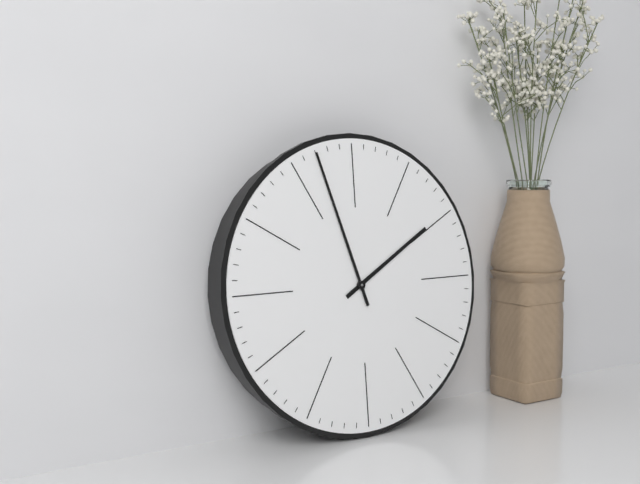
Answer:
h=1 m=57
